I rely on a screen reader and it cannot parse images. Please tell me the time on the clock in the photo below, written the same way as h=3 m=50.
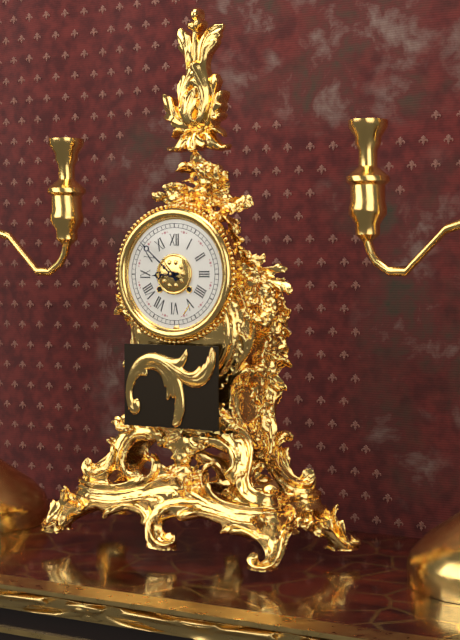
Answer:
h=8 m=52
